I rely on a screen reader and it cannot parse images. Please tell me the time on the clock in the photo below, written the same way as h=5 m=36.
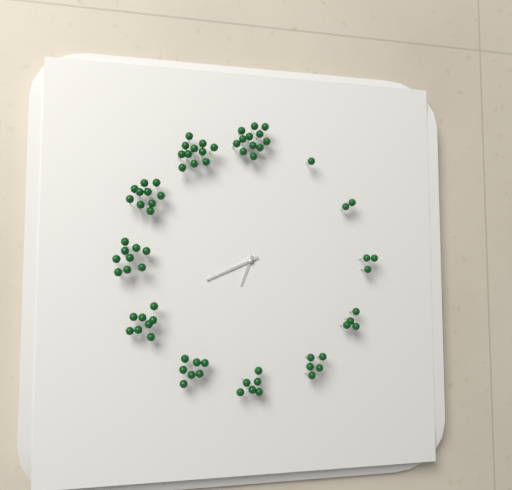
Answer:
h=6 m=41
